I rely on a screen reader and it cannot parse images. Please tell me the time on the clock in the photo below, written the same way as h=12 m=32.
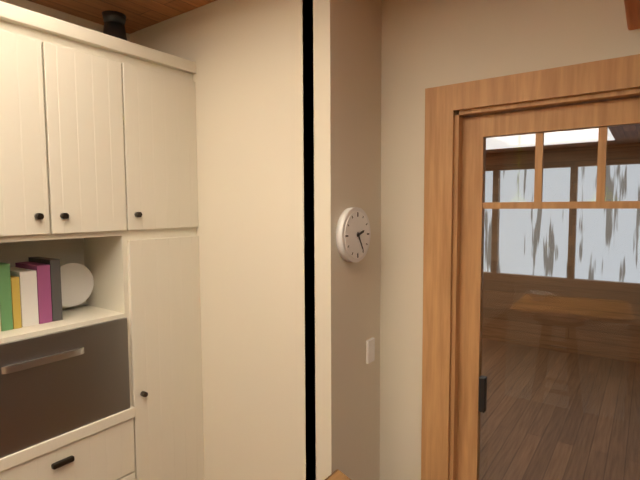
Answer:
h=2 m=25
